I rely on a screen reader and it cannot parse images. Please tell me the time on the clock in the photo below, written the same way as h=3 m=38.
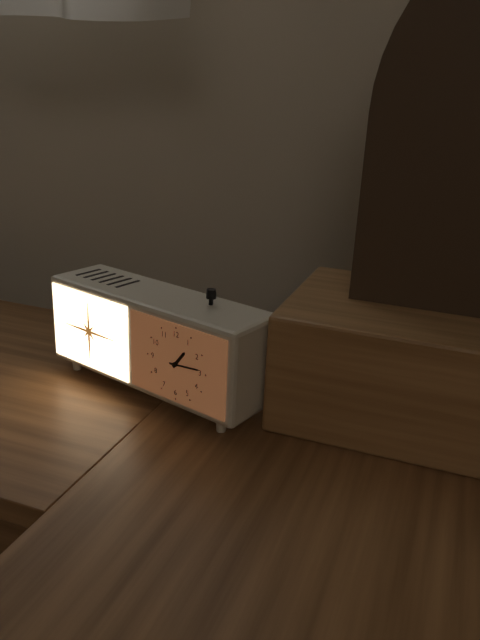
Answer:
h=1 m=14
